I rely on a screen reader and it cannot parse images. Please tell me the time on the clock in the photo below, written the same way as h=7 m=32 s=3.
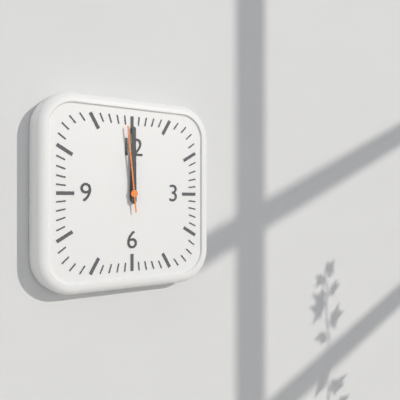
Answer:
h=12 m=0 s=59
